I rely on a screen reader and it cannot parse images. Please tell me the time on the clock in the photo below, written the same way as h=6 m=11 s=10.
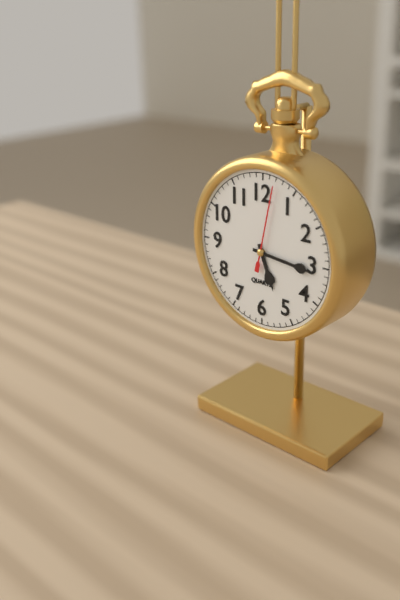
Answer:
h=5 m=16 s=2
